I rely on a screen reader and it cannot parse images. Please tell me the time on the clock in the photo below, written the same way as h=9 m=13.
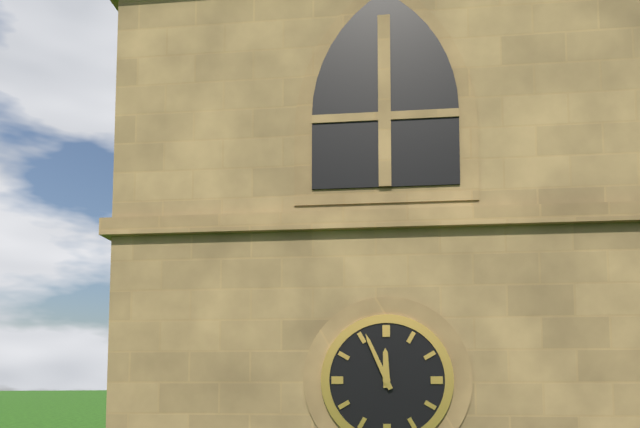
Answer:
h=11 m=56
